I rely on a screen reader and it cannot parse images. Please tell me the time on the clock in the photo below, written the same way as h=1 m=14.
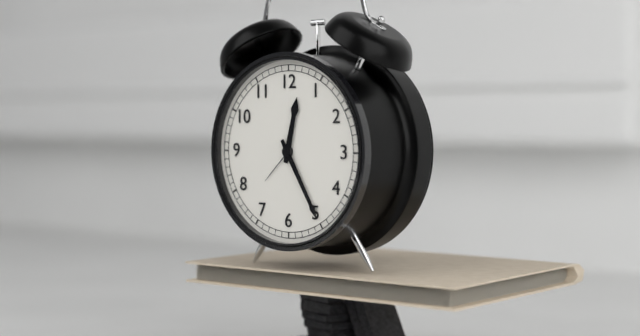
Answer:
h=12 m=25
